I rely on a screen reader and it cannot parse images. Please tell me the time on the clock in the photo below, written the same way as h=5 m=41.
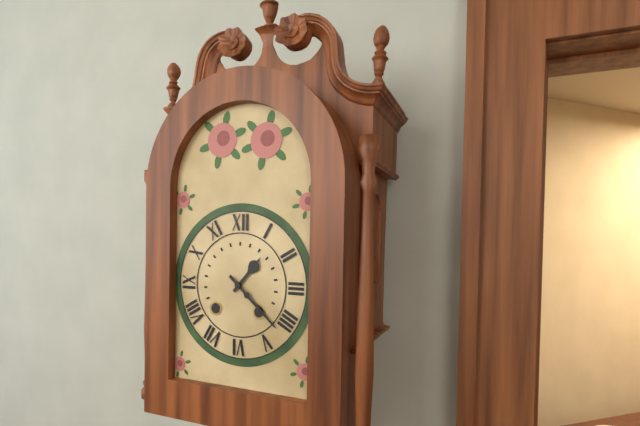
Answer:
h=1 m=22
